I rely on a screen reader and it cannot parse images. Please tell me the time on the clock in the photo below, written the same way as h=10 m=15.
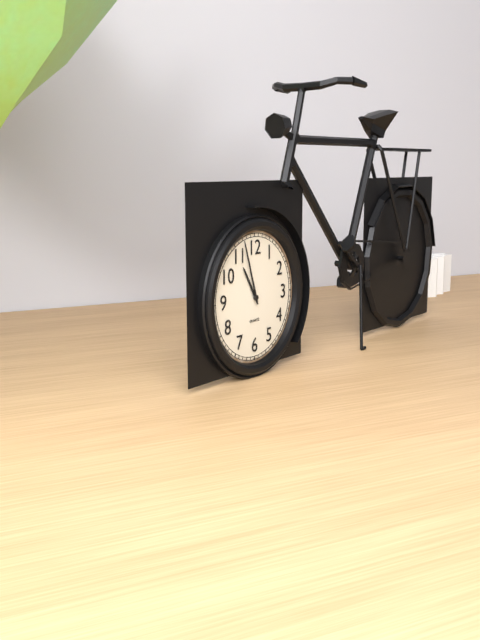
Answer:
h=10 m=57
